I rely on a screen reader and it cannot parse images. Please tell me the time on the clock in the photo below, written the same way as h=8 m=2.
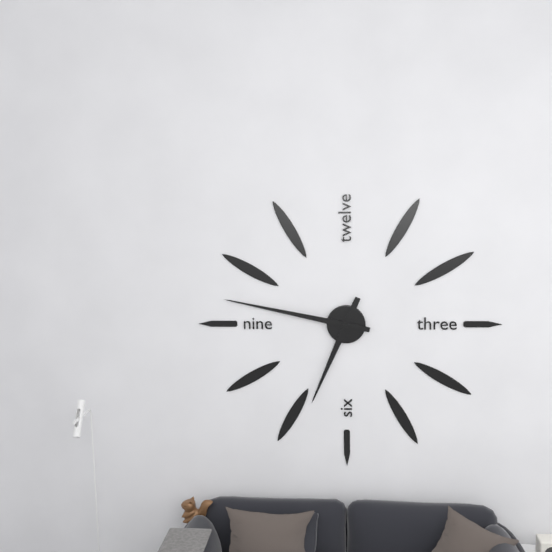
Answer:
h=6 m=47
